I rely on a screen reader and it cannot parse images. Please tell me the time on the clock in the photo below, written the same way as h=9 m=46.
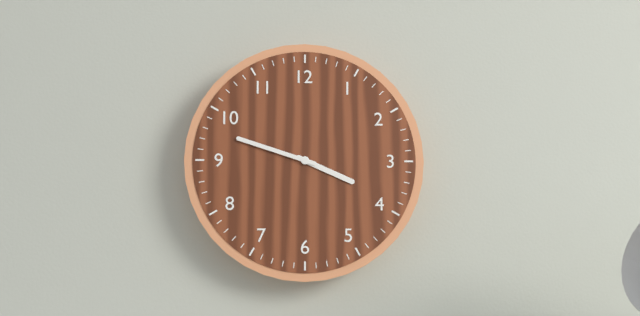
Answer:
h=3 m=48
